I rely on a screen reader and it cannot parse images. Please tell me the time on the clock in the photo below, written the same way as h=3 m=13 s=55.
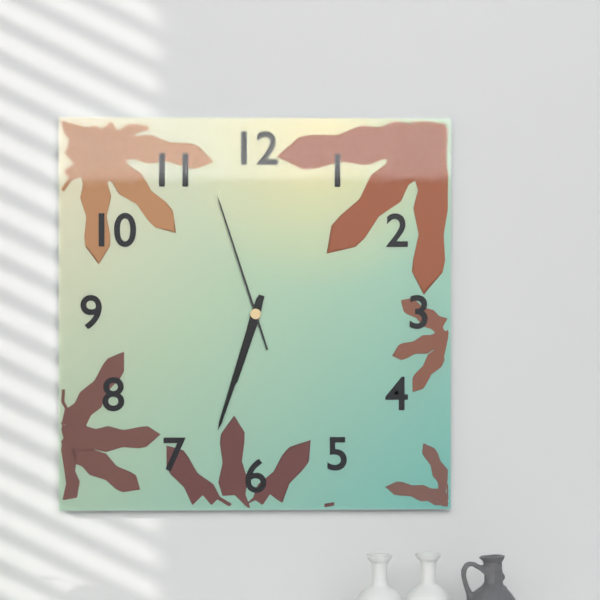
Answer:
h=6 m=33 s=57
